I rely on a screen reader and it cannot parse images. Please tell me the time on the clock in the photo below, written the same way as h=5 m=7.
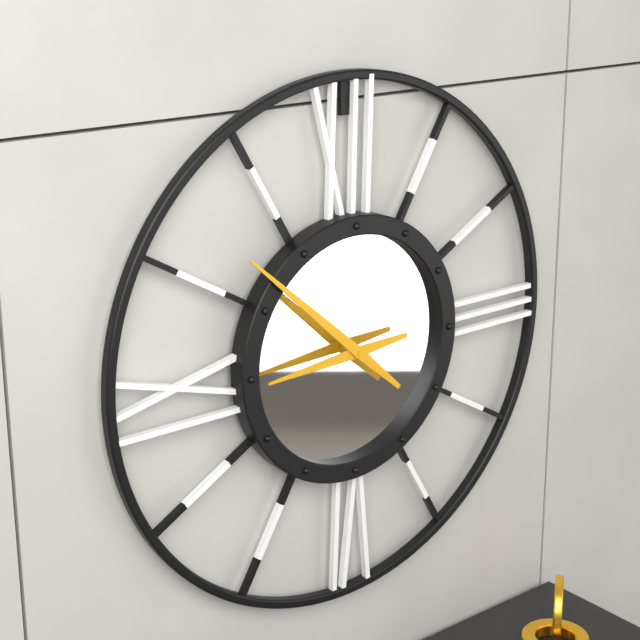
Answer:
h=8 m=52
